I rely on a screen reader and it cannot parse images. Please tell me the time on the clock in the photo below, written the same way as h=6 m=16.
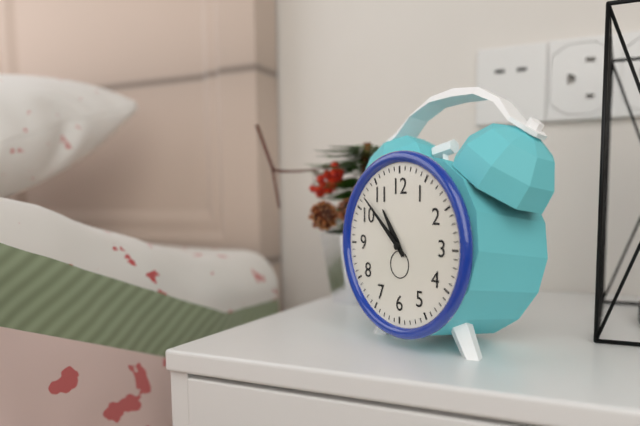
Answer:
h=10 m=52
